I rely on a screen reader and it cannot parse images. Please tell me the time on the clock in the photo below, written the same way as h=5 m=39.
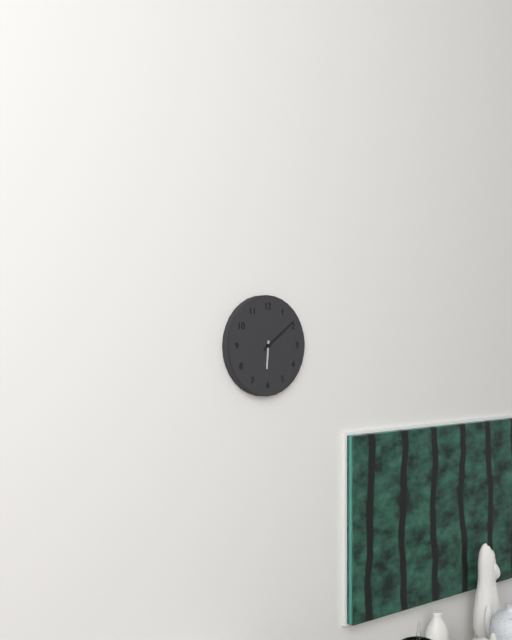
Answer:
h=6 m=9
